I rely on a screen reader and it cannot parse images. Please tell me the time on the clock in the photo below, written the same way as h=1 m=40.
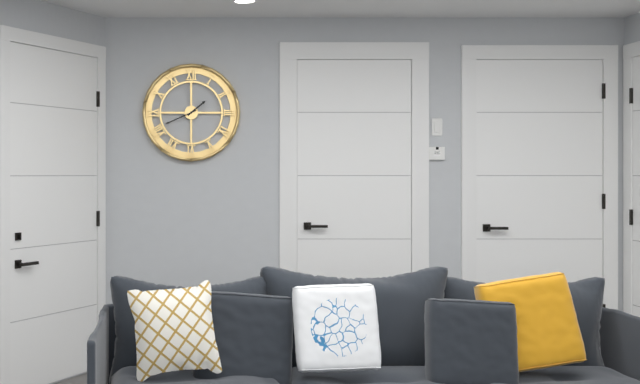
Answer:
h=1 m=41
